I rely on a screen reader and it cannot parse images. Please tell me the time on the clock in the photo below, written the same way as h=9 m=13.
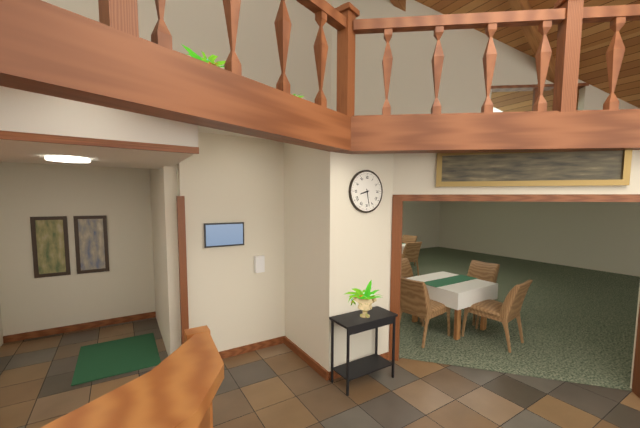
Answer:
h=8 m=28
